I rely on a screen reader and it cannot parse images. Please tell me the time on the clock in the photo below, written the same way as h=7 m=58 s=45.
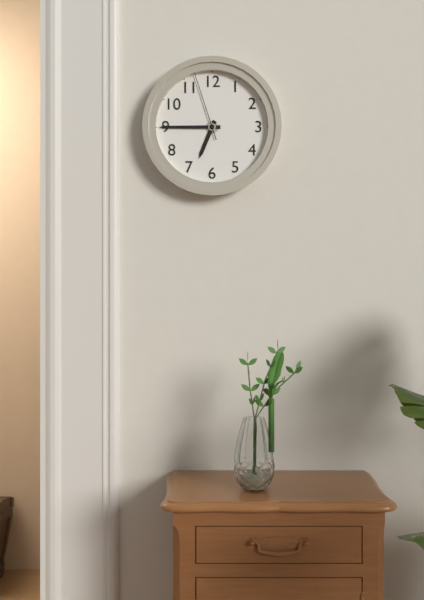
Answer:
h=6 m=45 s=57
